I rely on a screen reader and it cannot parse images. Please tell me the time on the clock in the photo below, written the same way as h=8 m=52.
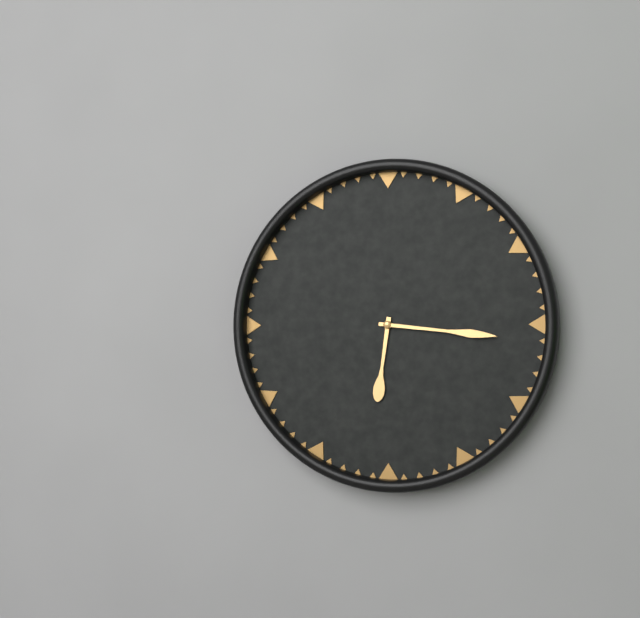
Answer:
h=6 m=16
